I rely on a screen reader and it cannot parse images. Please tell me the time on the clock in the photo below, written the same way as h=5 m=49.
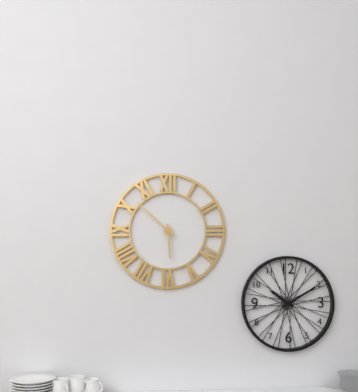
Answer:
h=5 m=52
